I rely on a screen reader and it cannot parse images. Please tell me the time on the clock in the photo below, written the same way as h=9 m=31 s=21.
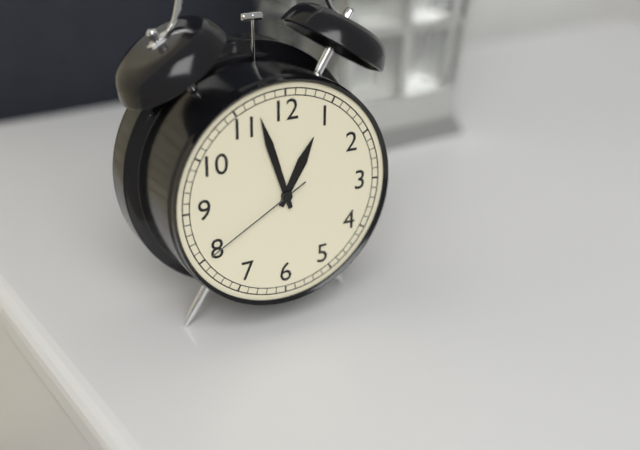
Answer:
h=12 m=57 s=40
